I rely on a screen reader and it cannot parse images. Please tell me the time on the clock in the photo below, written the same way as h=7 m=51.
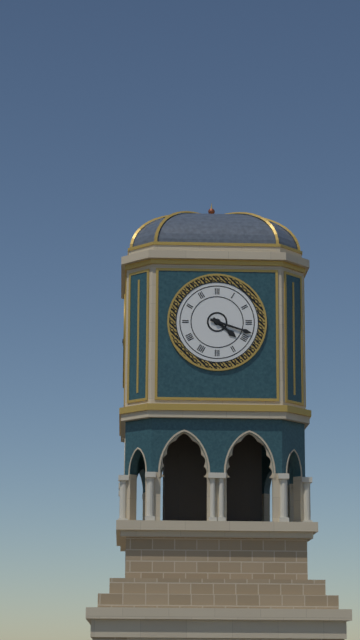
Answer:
h=4 m=18
